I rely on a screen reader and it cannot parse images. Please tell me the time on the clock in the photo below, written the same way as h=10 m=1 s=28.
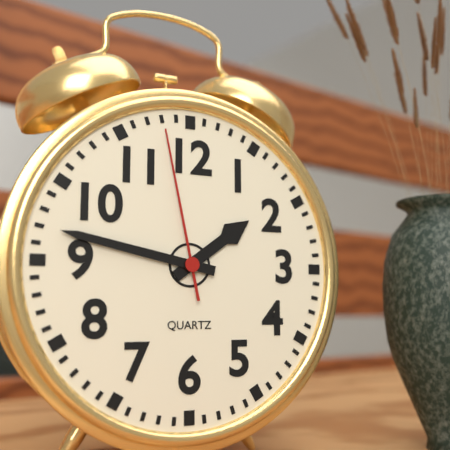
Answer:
h=1 m=47 s=58
